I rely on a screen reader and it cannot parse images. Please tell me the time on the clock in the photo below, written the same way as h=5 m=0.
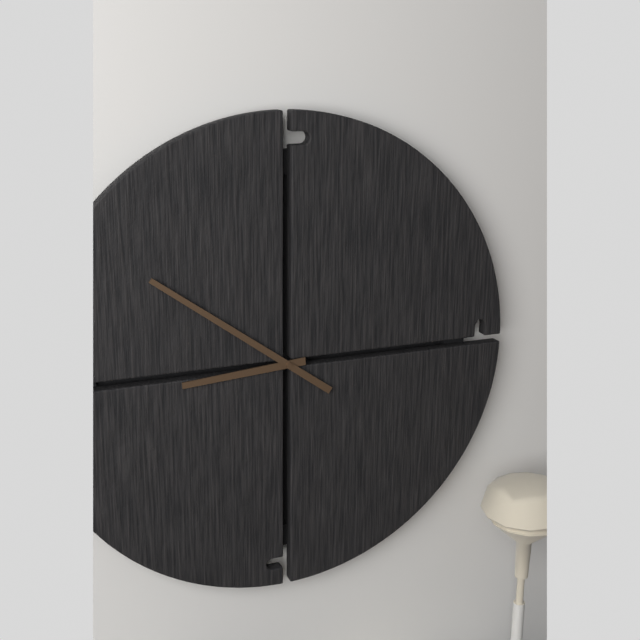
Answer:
h=8 m=51
